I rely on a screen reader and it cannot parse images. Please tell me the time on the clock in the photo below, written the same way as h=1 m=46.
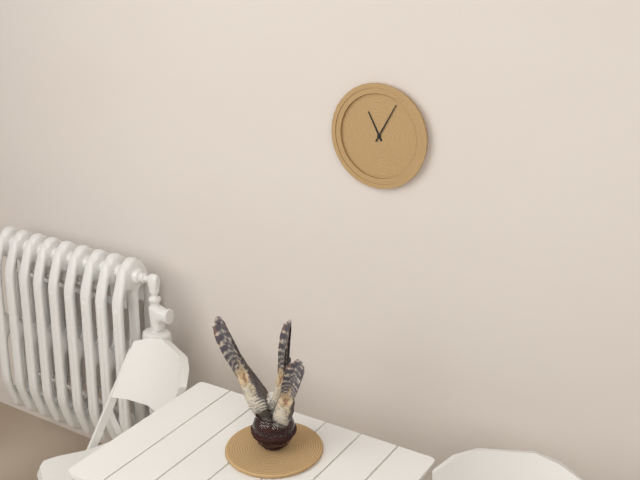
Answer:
h=11 m=5
